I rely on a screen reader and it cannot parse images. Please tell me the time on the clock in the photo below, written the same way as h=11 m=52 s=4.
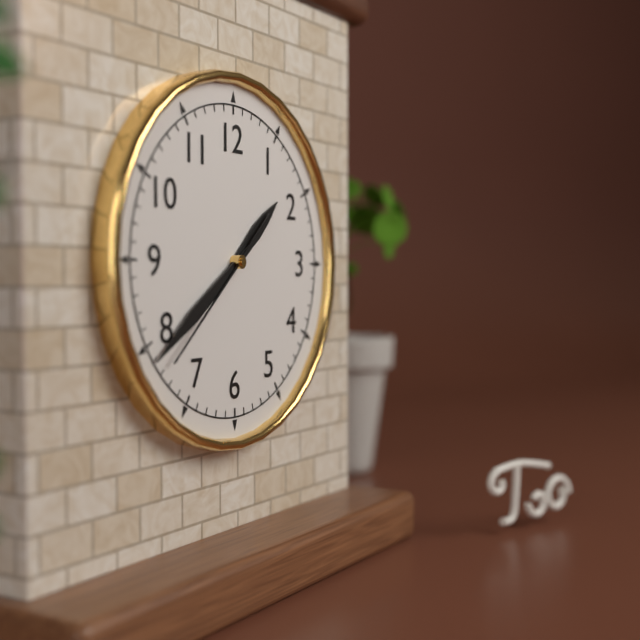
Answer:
h=1 m=39 s=38
